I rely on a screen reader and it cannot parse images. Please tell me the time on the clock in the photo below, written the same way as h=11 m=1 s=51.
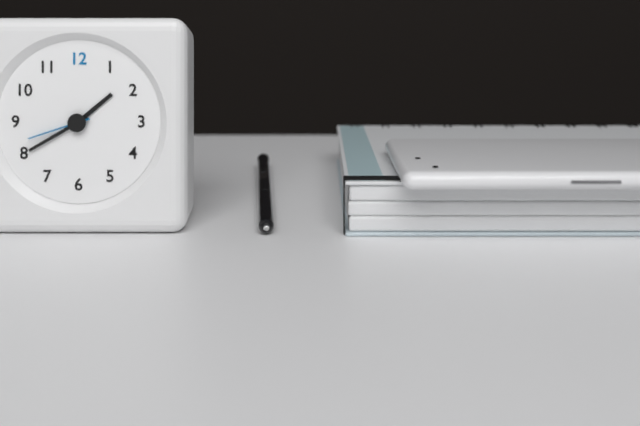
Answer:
h=1 m=40 s=42
